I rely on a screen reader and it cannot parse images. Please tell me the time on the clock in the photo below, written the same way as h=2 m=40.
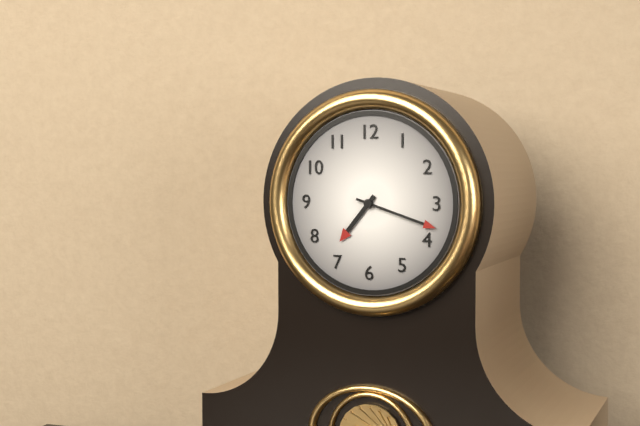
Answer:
h=7 m=18
